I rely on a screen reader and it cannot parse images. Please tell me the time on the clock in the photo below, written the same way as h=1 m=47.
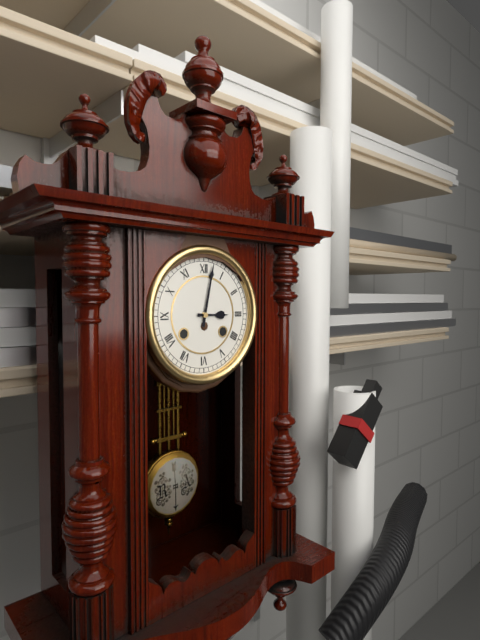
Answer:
h=3 m=2
